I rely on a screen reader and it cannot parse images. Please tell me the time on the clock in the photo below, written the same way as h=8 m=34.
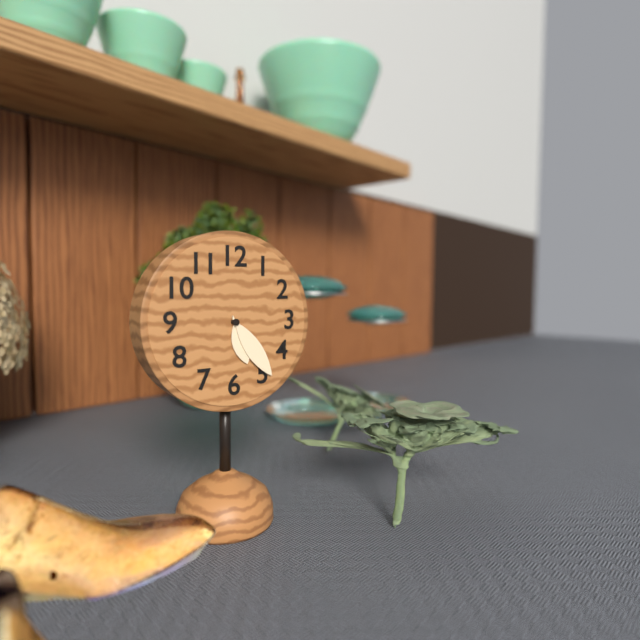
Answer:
h=5 m=24
